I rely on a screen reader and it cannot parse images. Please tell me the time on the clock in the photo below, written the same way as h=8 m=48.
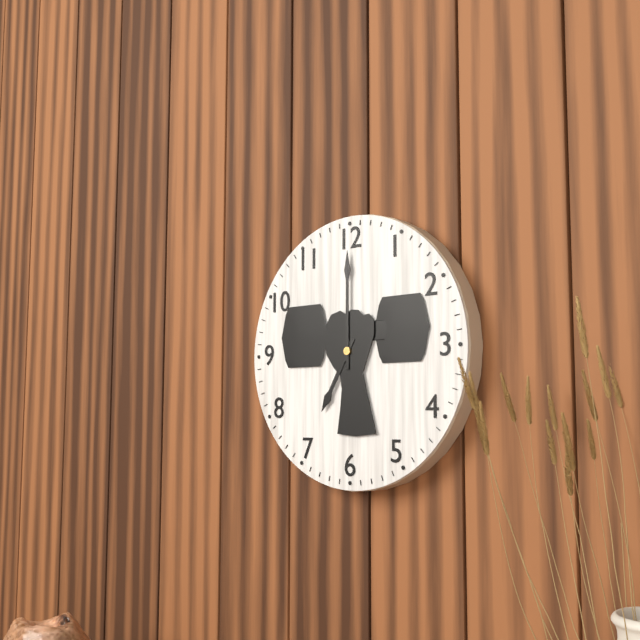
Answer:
h=7 m=0
